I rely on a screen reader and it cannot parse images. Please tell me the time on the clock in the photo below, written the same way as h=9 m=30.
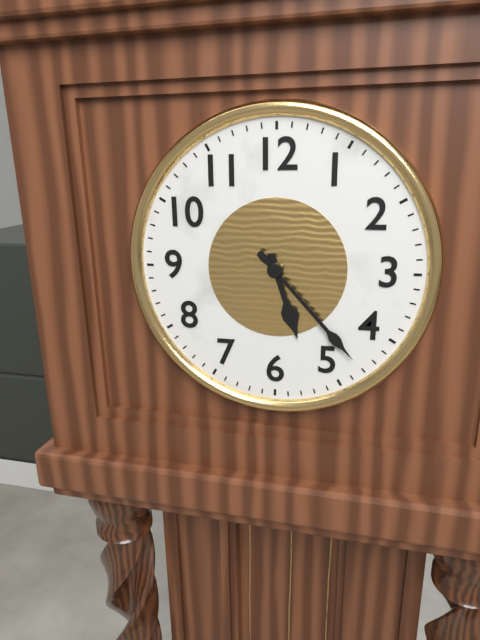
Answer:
h=5 m=23
